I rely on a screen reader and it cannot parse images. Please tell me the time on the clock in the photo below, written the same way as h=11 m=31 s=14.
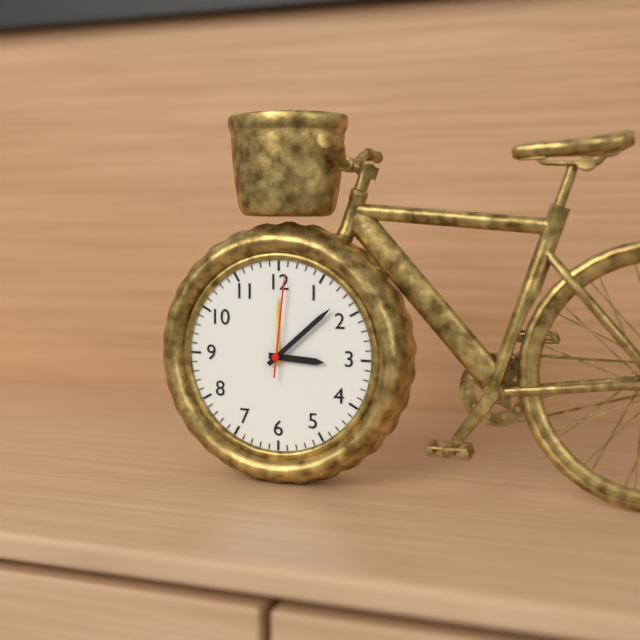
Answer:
h=3 m=8 s=1
